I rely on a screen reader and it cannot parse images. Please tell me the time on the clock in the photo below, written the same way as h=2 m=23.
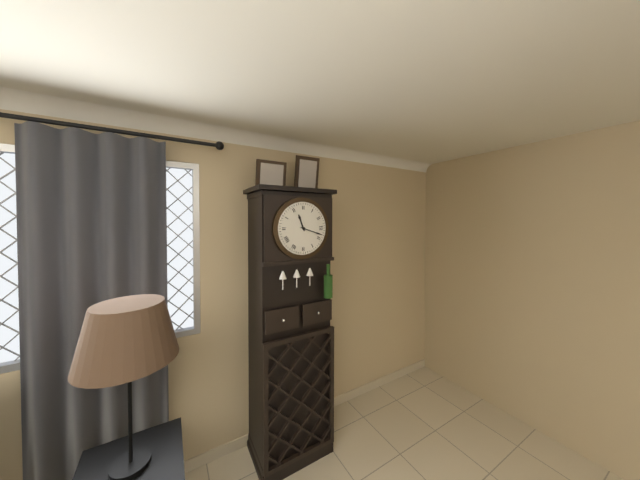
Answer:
h=11 m=18
